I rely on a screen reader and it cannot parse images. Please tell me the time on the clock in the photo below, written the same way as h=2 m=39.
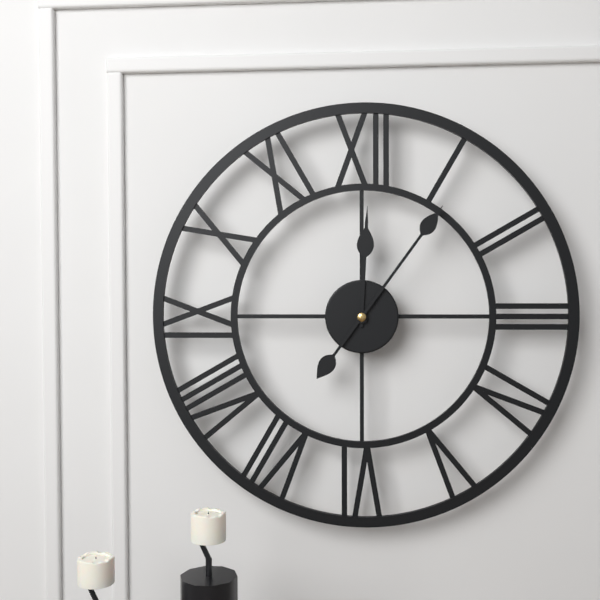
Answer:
h=12 m=6
